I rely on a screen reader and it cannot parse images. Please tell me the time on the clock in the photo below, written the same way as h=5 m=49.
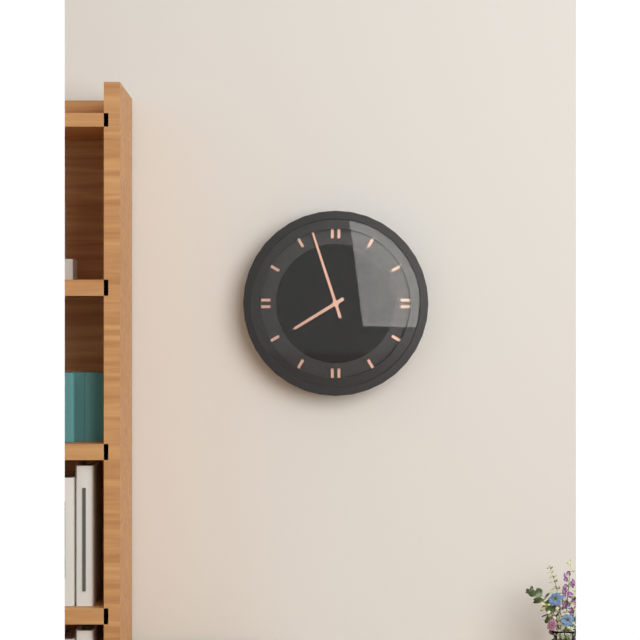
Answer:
h=7 m=57
